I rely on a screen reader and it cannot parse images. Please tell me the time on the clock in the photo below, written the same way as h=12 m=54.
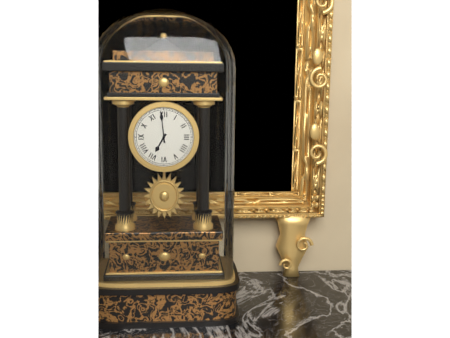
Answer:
h=6 m=59
